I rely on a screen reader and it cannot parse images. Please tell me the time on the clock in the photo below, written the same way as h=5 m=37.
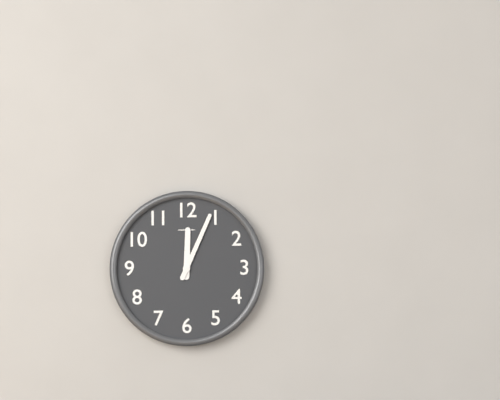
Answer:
h=12 m=4
